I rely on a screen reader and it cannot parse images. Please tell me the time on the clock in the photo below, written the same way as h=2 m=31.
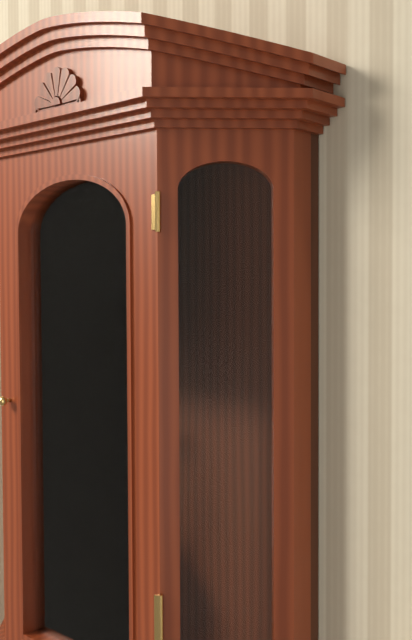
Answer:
h=12 m=28
